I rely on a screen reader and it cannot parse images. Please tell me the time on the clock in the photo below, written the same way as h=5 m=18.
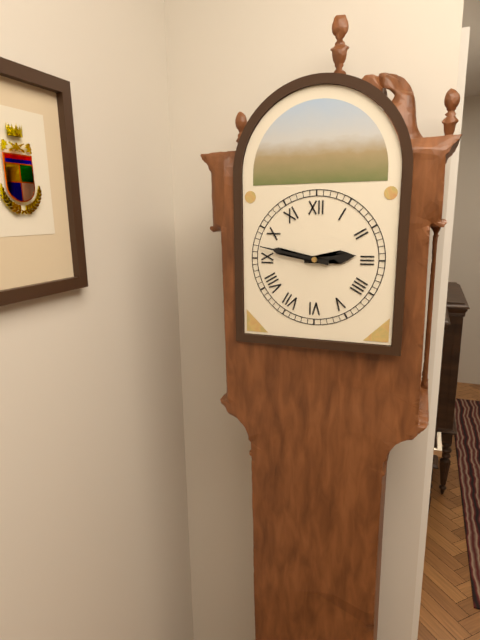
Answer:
h=2 m=47
